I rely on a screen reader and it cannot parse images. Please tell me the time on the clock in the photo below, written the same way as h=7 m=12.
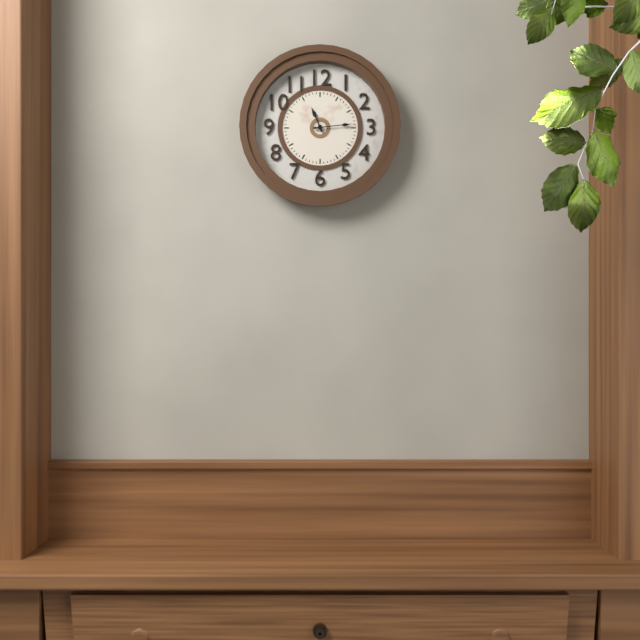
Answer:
h=11 m=14
